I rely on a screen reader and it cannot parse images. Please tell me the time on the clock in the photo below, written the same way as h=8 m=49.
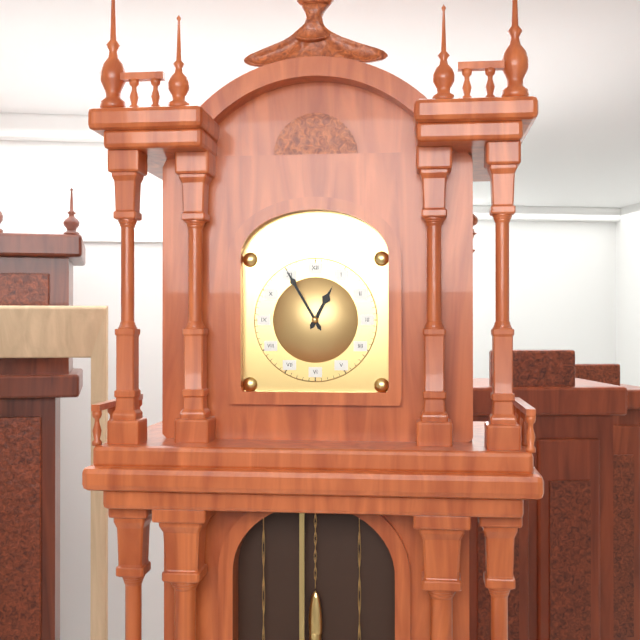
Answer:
h=12 m=55
